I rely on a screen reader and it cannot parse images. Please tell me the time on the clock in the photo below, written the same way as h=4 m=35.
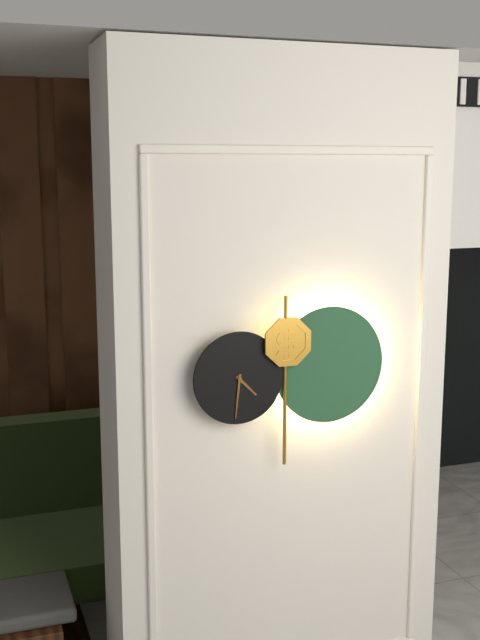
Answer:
h=4 m=31
